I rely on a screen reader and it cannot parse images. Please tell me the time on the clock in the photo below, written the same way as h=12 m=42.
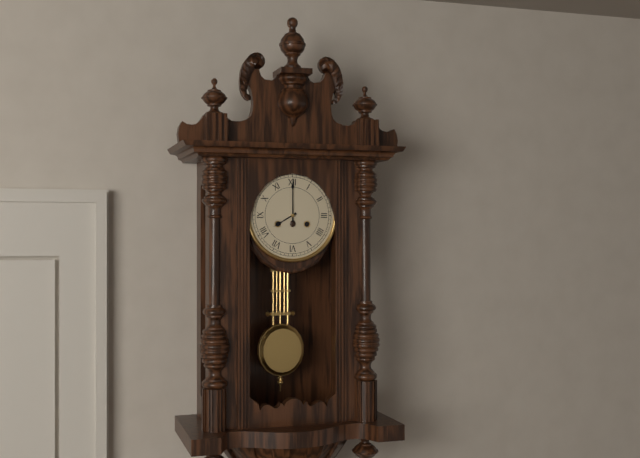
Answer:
h=8 m=0
